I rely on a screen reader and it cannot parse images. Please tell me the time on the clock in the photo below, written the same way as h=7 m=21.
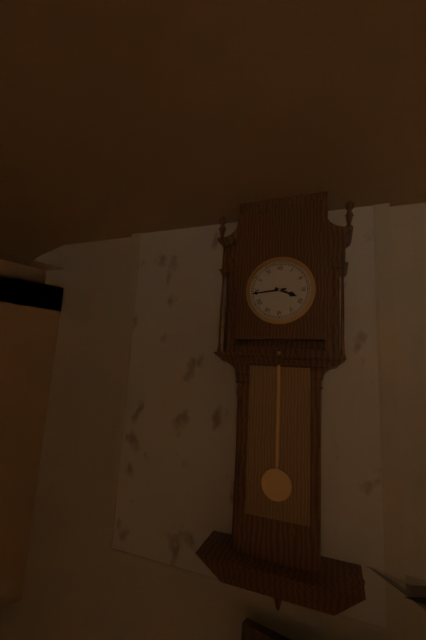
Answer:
h=3 m=44
